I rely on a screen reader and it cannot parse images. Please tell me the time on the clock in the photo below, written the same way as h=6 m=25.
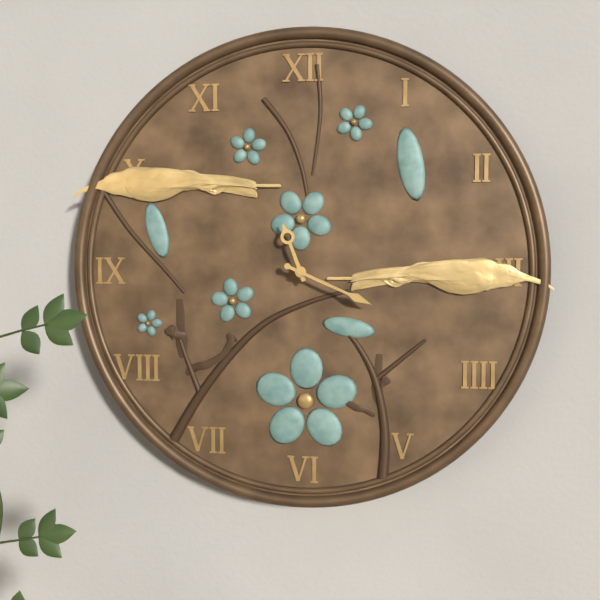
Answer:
h=11 m=19
